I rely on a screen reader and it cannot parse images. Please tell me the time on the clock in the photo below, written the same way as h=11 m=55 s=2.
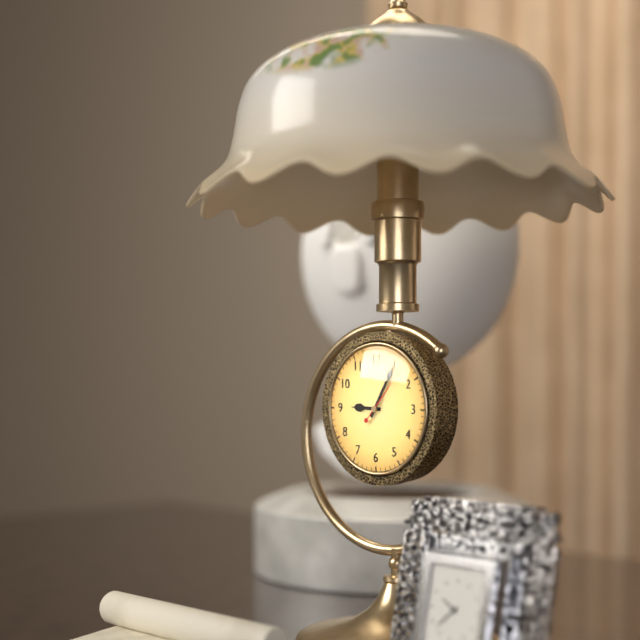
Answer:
h=9 m=5 s=7
